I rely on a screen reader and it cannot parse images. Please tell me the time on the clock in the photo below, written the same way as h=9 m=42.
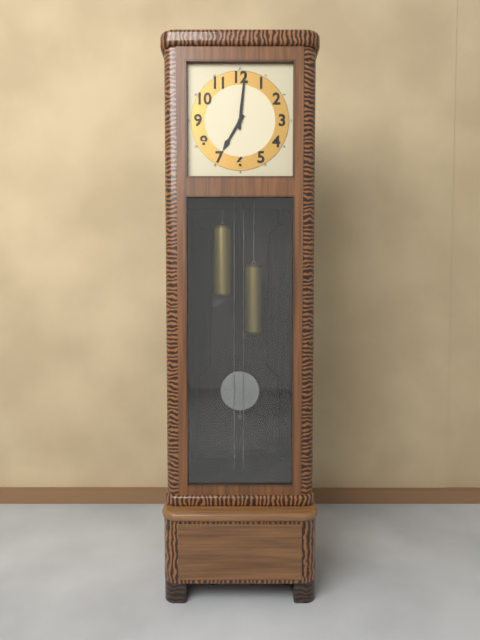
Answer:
h=7 m=1
